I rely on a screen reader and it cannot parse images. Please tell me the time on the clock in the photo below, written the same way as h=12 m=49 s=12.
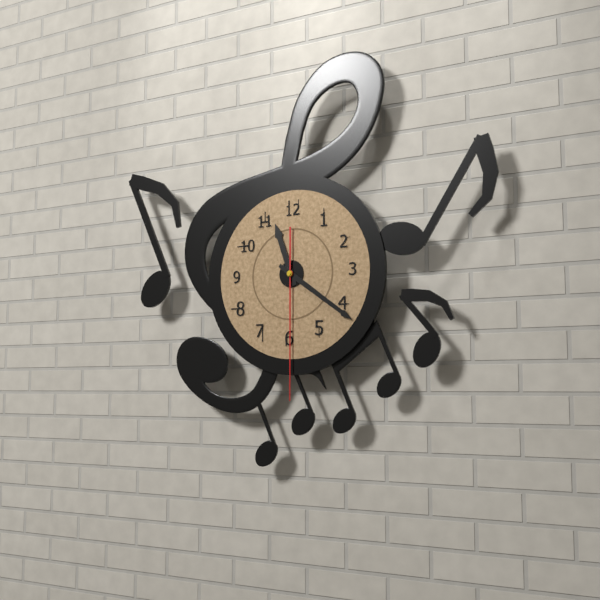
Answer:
h=11 m=21 s=30
